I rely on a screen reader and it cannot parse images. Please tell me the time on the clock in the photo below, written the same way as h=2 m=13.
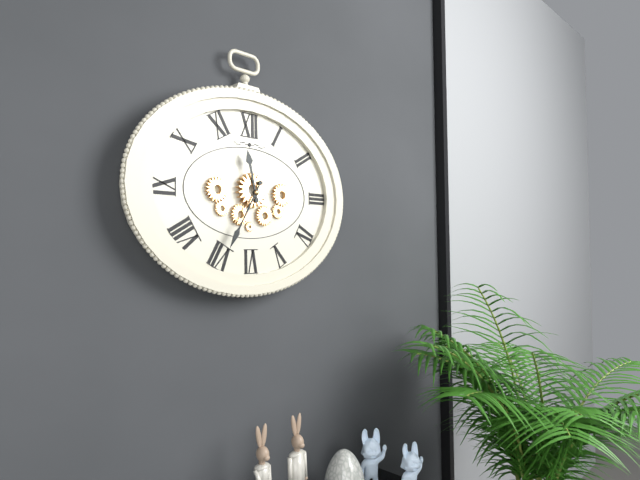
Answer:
h=11 m=35
